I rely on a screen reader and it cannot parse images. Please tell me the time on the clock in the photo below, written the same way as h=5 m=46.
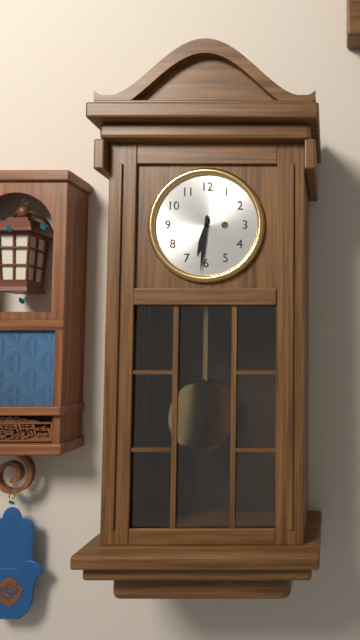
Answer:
h=6 m=31
